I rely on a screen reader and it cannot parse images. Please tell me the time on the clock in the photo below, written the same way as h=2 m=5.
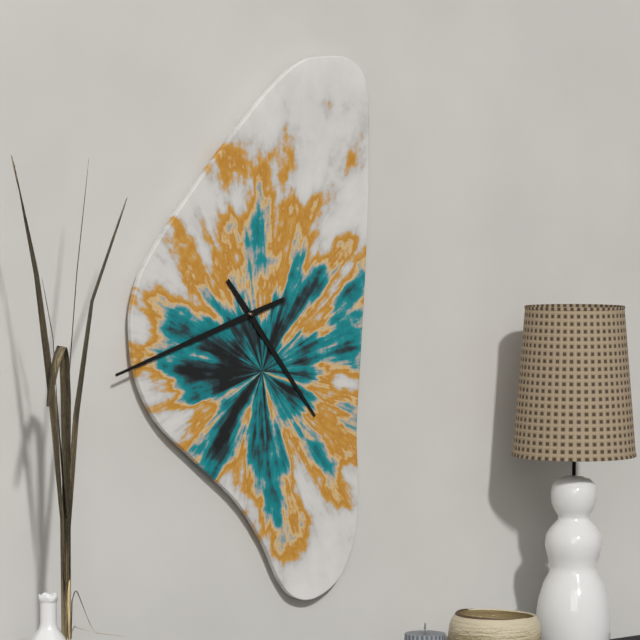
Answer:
h=4 m=42
